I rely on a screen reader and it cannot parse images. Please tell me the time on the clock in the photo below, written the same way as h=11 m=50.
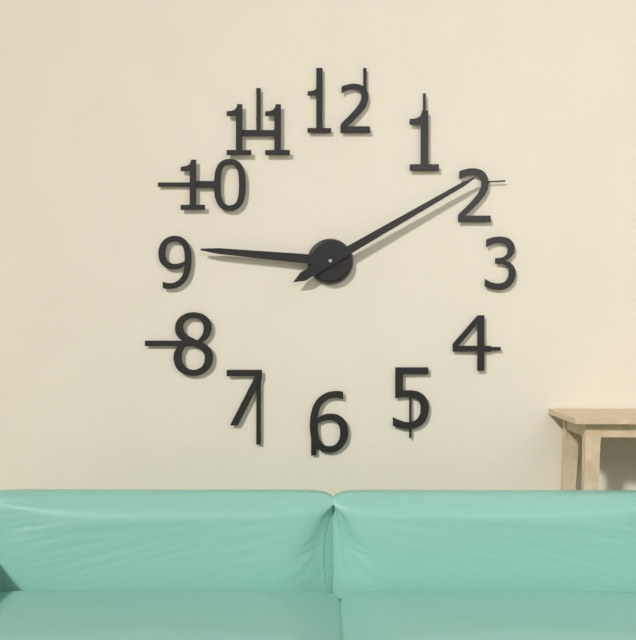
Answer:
h=9 m=10
